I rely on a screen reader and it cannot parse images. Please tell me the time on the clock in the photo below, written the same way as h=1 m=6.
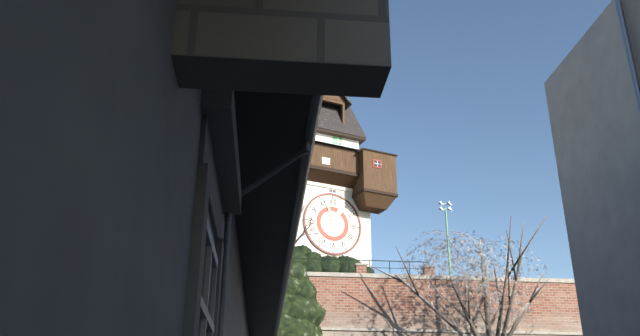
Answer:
h=12 m=57
